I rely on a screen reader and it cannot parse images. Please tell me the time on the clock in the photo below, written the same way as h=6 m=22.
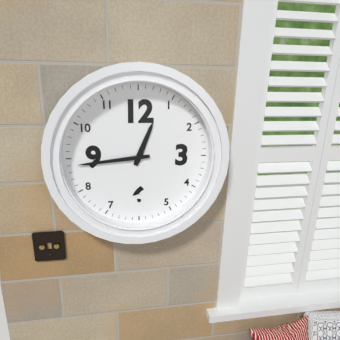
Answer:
h=12 m=44
